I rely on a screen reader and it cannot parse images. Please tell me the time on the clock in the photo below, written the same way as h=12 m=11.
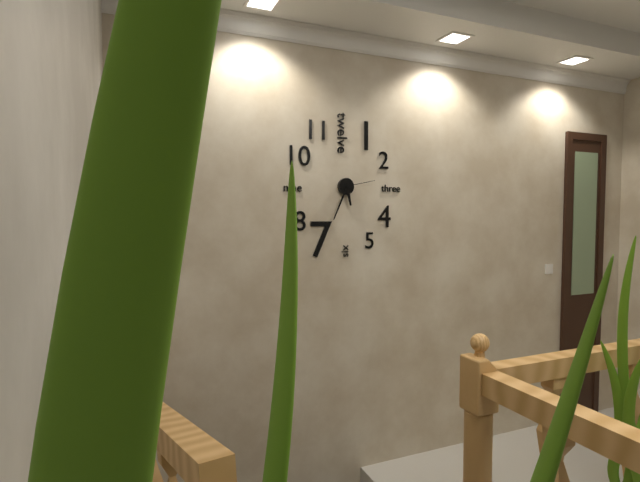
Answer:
h=5 m=34
